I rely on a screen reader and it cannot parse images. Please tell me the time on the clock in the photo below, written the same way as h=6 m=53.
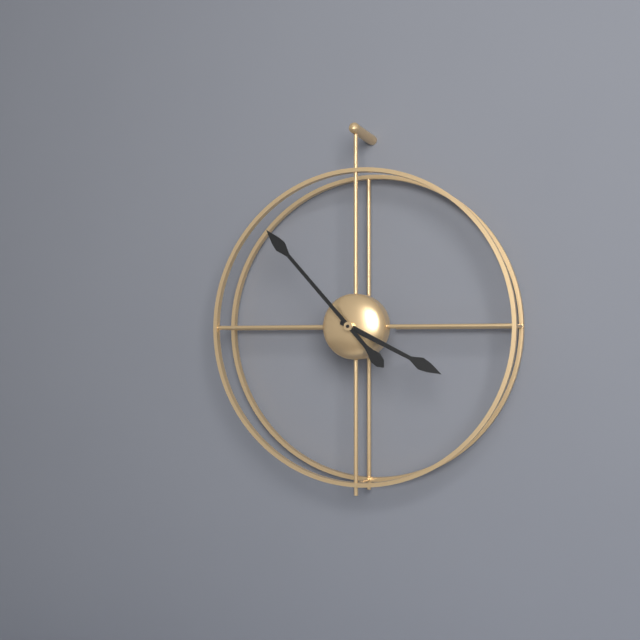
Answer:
h=3 m=53
